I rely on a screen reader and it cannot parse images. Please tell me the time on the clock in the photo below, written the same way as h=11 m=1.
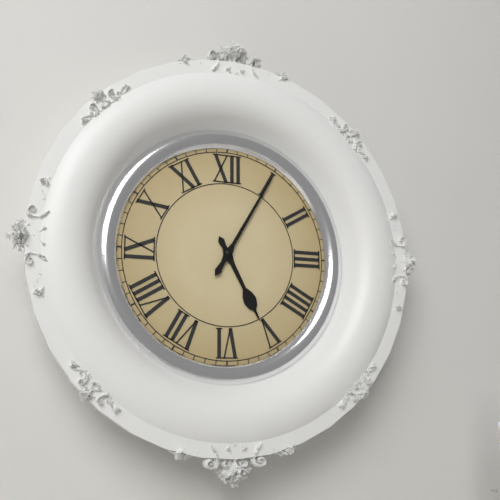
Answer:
h=5 m=5
